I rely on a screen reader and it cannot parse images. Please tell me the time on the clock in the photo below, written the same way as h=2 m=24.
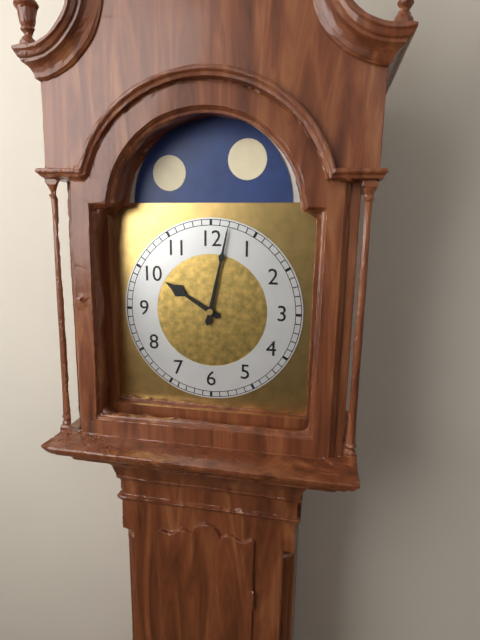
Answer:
h=10 m=2
